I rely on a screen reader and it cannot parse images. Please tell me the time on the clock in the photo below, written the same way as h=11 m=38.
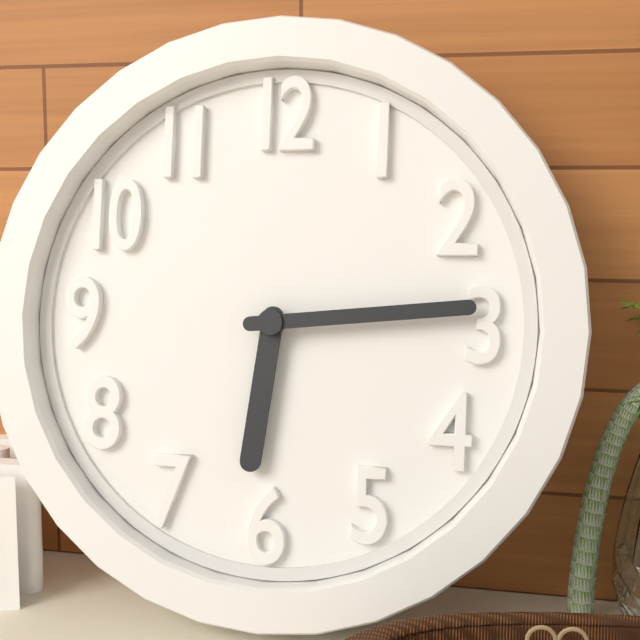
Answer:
h=6 m=14
